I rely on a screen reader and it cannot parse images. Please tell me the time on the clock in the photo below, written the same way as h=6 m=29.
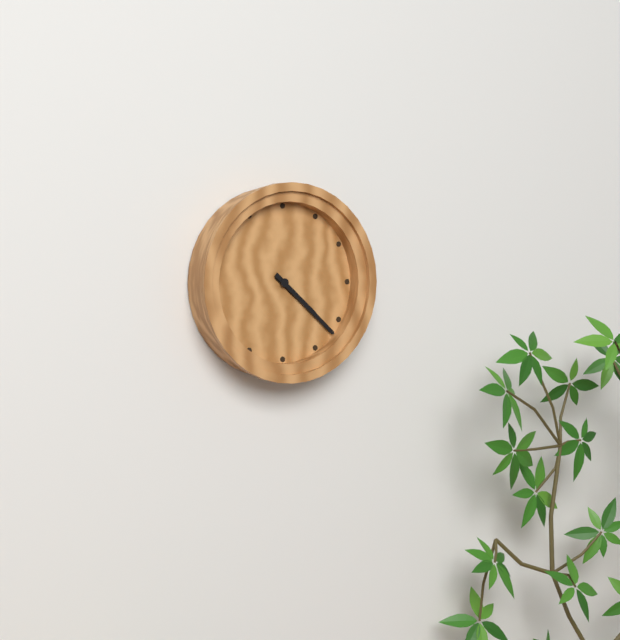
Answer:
h=4 m=22
